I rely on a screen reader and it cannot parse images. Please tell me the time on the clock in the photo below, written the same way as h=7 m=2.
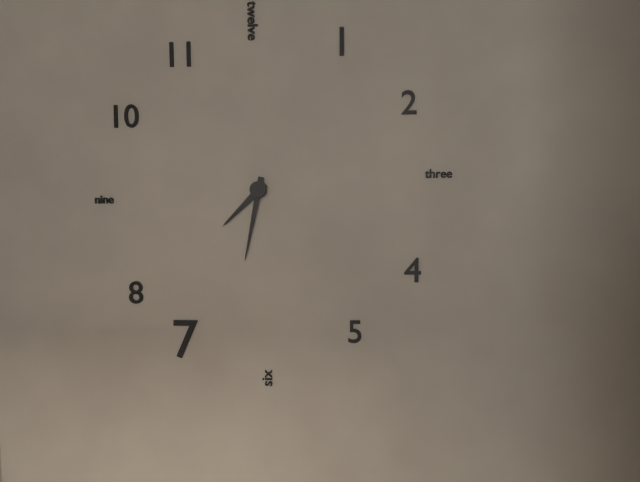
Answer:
h=7 m=32
